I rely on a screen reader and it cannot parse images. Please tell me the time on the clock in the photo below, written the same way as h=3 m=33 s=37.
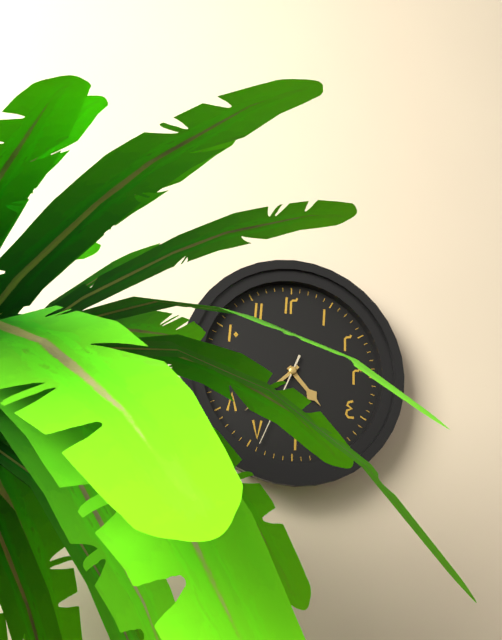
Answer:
h=4 m=38 s=34
